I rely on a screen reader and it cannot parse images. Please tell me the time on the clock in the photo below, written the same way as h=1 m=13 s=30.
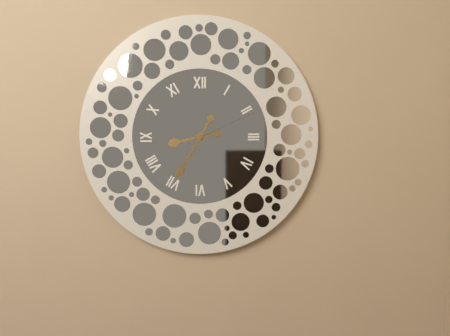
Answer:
h=8 m=35 s=11
